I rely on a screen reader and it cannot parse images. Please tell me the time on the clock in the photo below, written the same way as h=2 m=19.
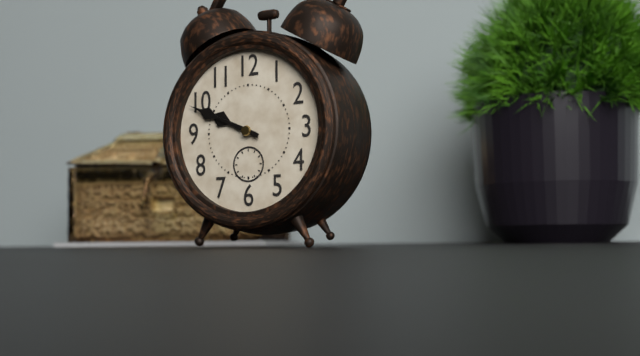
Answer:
h=9 m=49
